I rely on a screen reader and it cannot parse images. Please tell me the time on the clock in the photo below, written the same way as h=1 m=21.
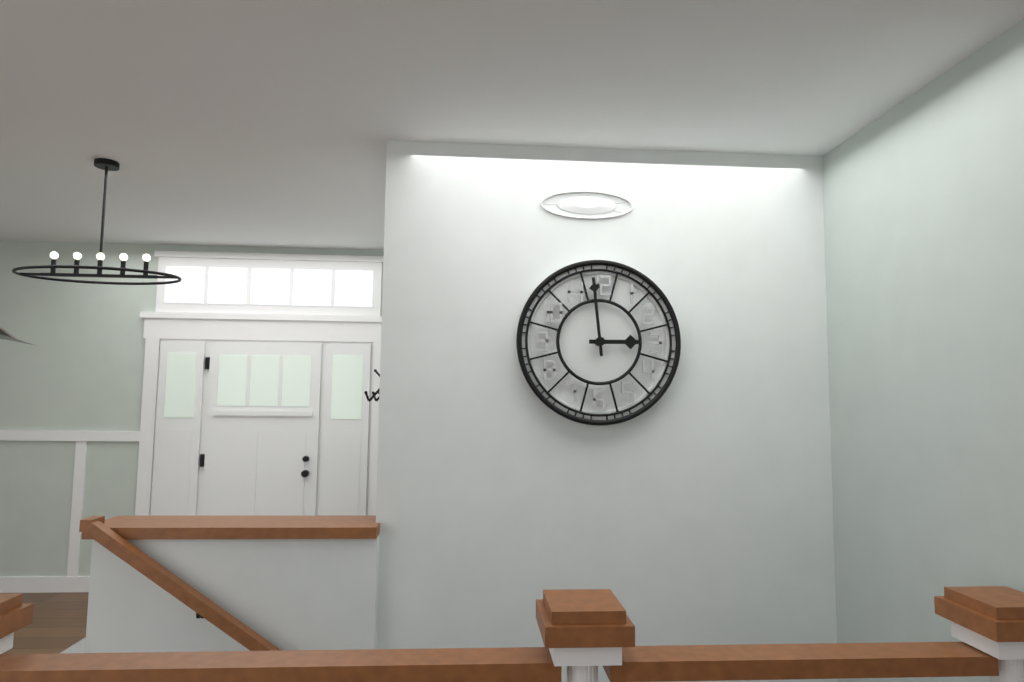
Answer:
h=2 m=59
